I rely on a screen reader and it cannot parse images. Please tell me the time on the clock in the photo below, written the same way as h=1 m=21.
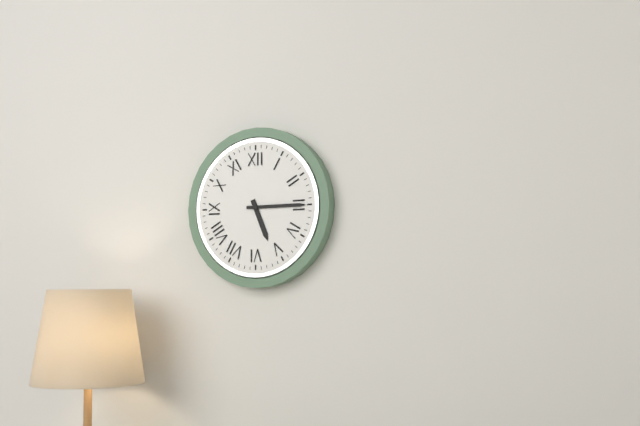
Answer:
h=5 m=15
